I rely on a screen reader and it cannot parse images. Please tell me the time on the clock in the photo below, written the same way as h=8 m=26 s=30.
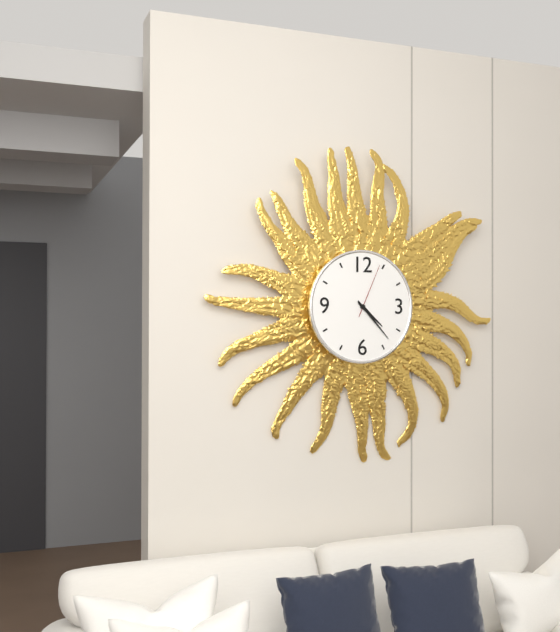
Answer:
h=4 m=23 s=4
